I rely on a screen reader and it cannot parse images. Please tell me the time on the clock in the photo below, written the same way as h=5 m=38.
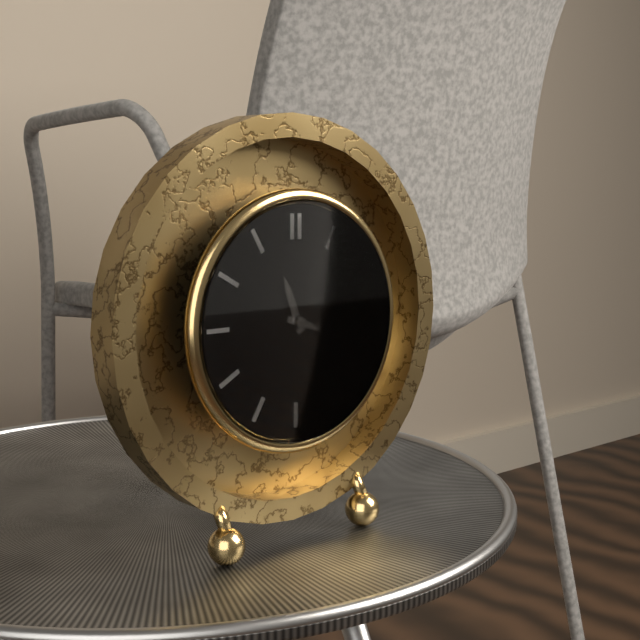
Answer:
h=11 m=18
